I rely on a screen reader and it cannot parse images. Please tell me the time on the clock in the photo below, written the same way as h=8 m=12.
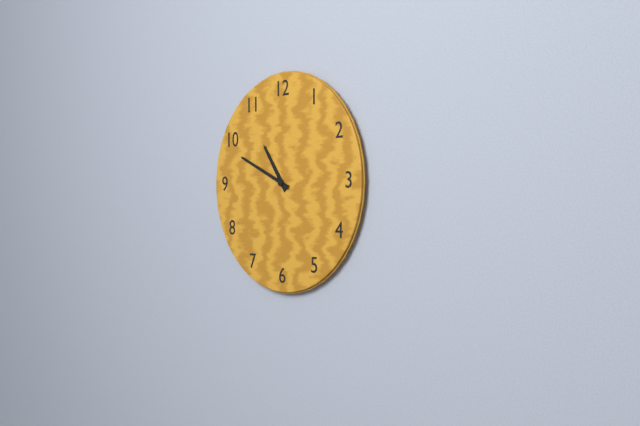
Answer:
h=10 m=49
